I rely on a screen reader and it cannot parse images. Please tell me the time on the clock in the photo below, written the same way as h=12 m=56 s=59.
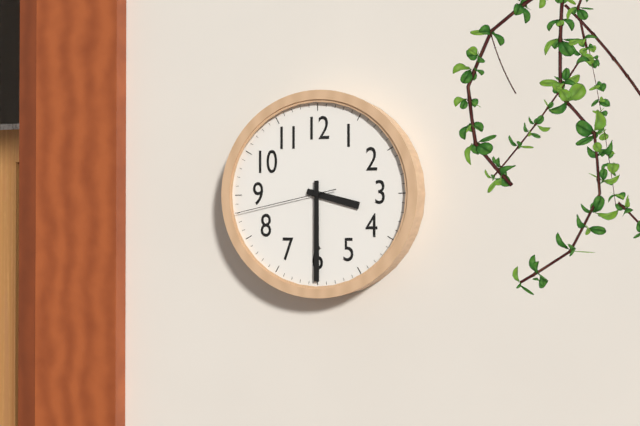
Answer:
h=3 m=30 s=43
